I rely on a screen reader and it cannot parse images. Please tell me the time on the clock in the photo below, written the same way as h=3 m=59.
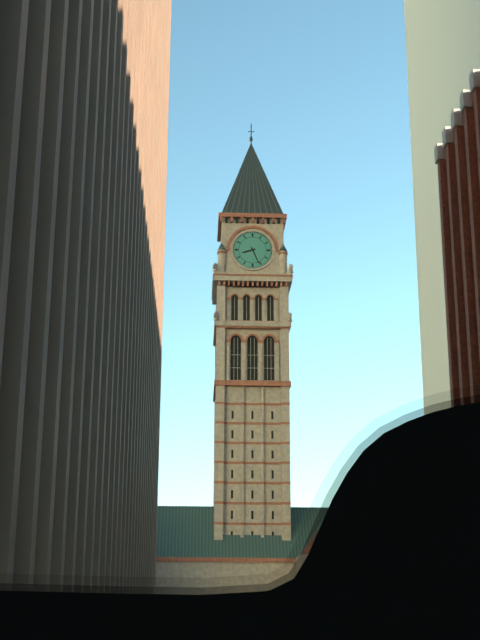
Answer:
h=8 m=26
